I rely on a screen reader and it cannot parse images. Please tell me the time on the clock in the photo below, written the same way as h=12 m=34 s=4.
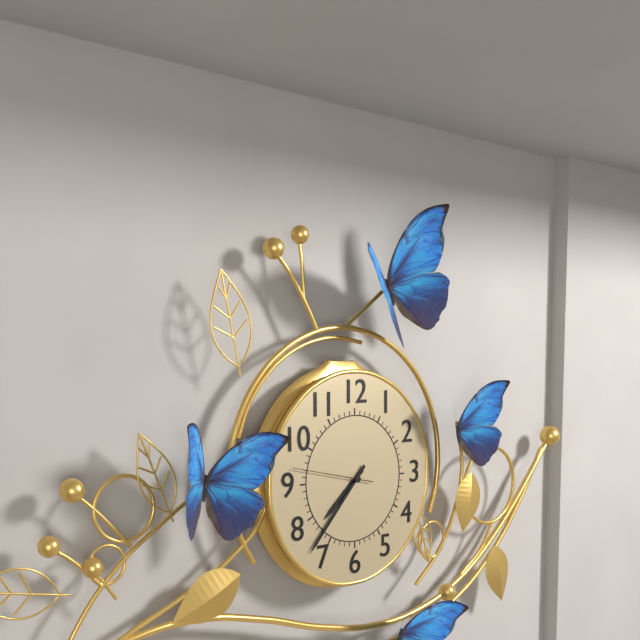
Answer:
h=7 m=37 s=47
